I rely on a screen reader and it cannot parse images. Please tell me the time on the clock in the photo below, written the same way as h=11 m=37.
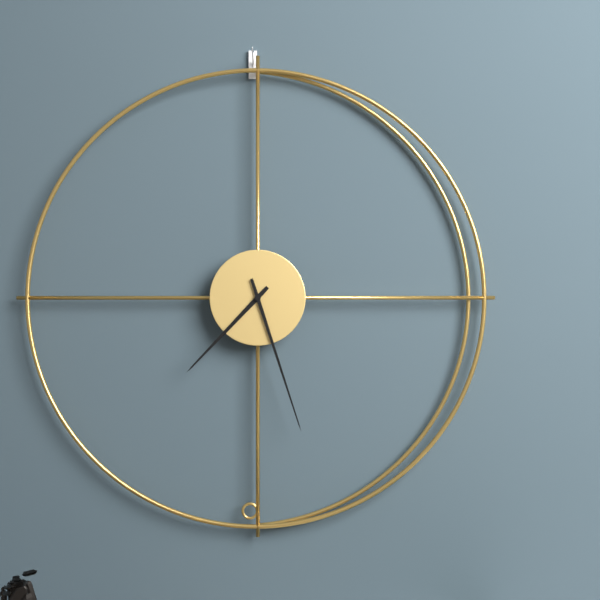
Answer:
h=7 m=27
